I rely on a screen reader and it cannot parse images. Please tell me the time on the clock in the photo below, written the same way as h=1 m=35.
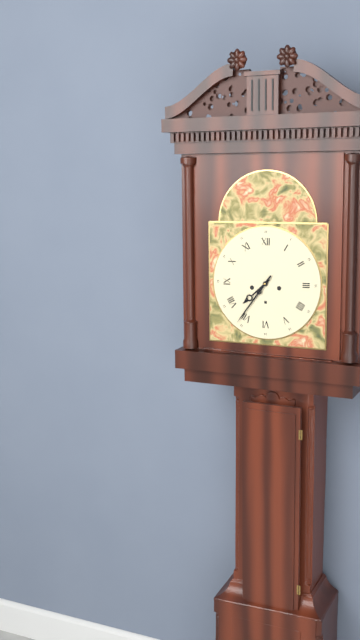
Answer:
h=7 m=36
